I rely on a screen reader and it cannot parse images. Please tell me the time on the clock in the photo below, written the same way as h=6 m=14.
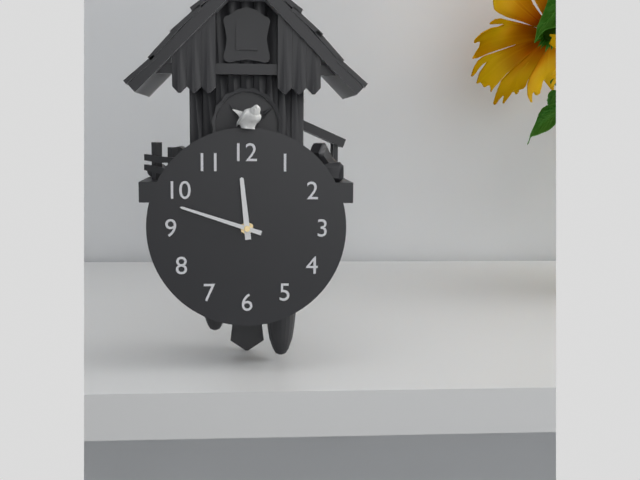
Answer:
h=11 m=48
